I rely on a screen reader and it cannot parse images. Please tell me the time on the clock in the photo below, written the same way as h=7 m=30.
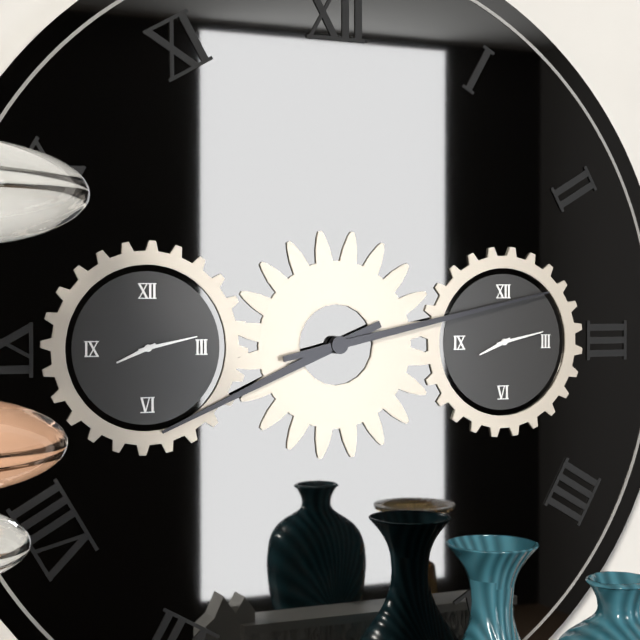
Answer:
h=8 m=13
